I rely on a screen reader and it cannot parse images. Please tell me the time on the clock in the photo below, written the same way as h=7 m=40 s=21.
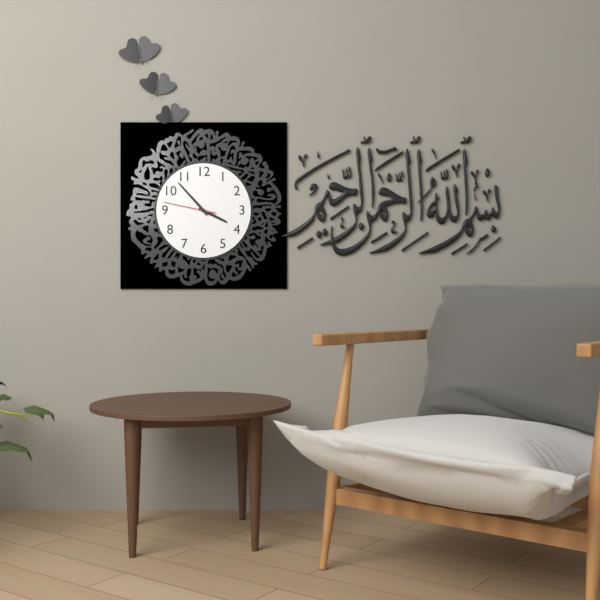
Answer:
h=3 m=53 s=47
